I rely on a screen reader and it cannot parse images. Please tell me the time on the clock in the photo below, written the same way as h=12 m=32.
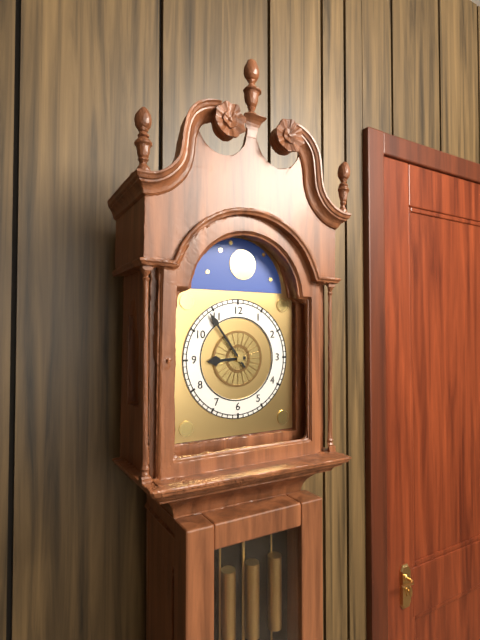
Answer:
h=8 m=54
